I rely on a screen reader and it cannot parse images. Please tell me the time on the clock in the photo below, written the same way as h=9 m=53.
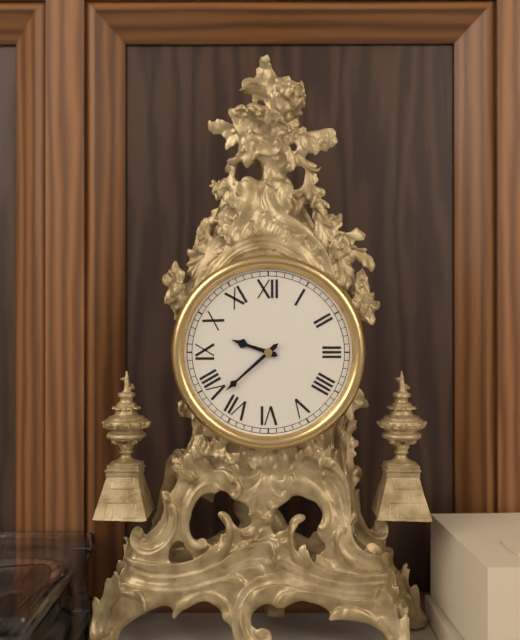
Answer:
h=9 m=38
